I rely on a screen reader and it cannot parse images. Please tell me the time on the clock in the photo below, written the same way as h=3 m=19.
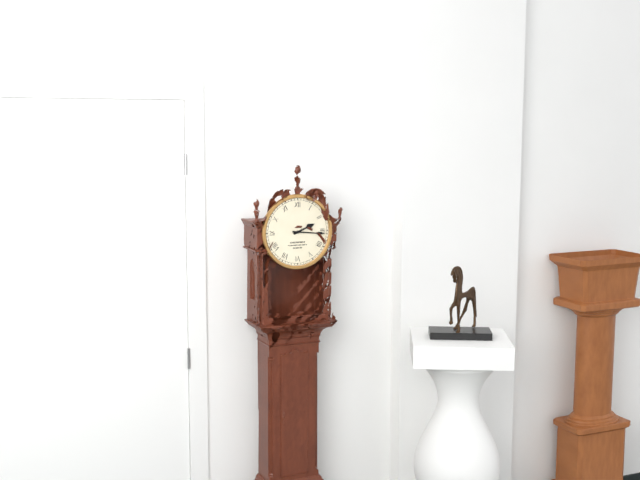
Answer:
h=2 m=16
